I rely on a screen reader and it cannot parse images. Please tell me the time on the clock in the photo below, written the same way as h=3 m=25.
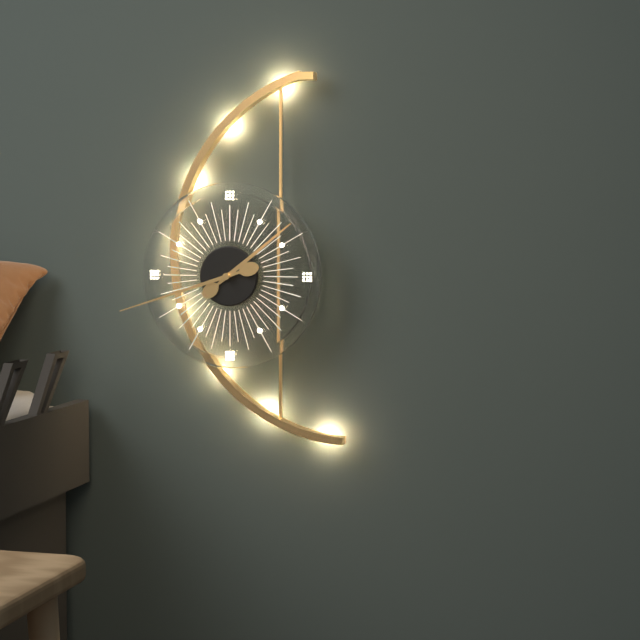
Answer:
h=1 m=42
